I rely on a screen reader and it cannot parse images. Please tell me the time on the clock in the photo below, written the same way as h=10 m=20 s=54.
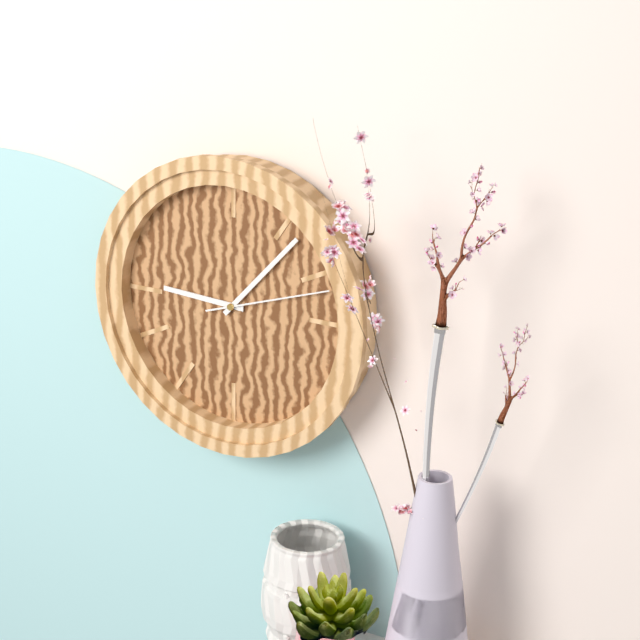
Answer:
h=9 m=7 s=12
